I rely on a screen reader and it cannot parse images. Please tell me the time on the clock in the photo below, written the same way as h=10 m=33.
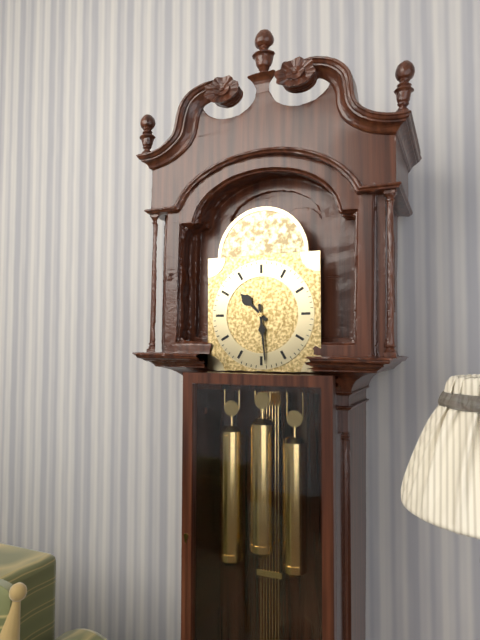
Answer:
h=10 m=29
